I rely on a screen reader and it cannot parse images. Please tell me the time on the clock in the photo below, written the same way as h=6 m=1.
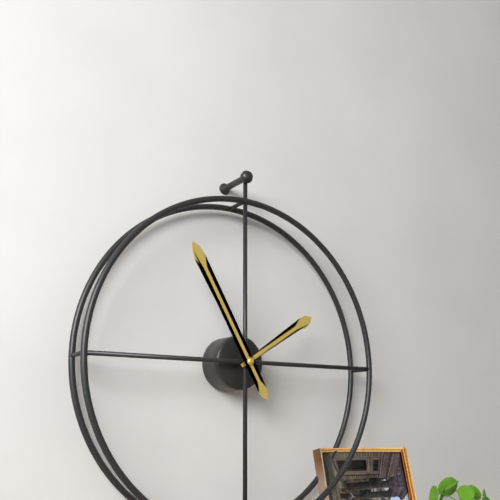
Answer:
h=1 m=55
